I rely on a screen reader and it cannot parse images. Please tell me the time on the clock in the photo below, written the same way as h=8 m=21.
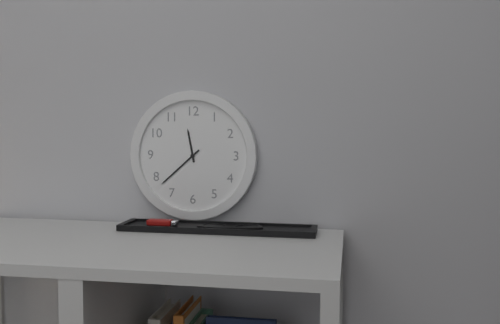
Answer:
h=11 m=38
